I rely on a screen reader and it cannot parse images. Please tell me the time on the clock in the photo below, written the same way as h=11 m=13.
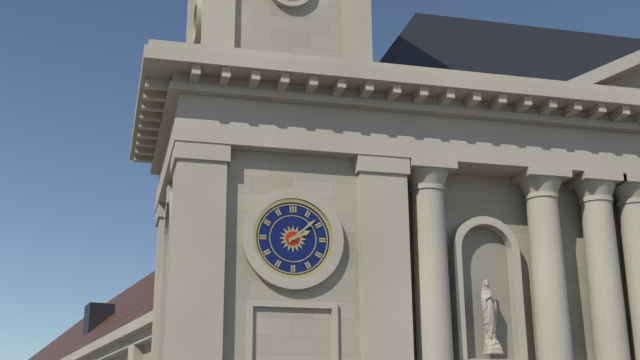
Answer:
h=2 m=8
